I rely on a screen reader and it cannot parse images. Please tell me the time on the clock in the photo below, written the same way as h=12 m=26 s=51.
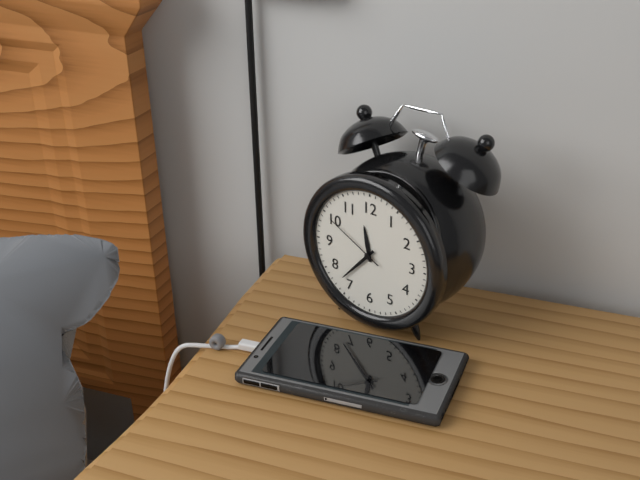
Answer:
h=11 m=37 s=50
